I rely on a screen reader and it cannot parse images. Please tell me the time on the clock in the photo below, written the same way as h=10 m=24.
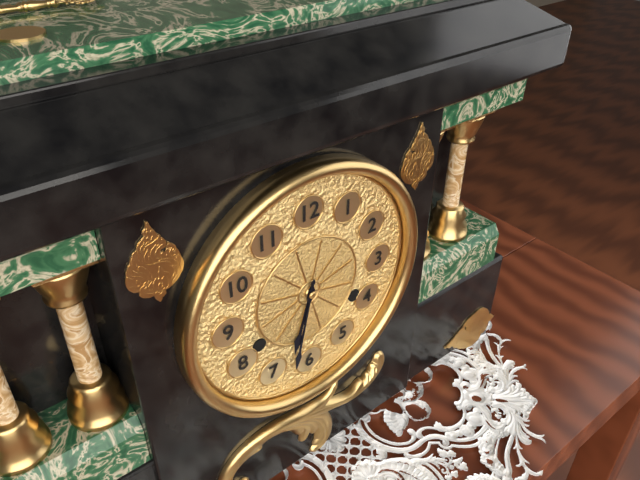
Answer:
h=6 m=32
